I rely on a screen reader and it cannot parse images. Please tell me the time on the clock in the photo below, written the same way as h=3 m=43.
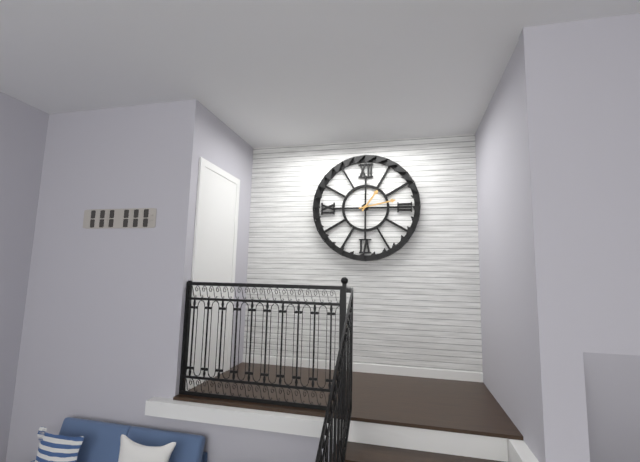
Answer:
h=1 m=13
